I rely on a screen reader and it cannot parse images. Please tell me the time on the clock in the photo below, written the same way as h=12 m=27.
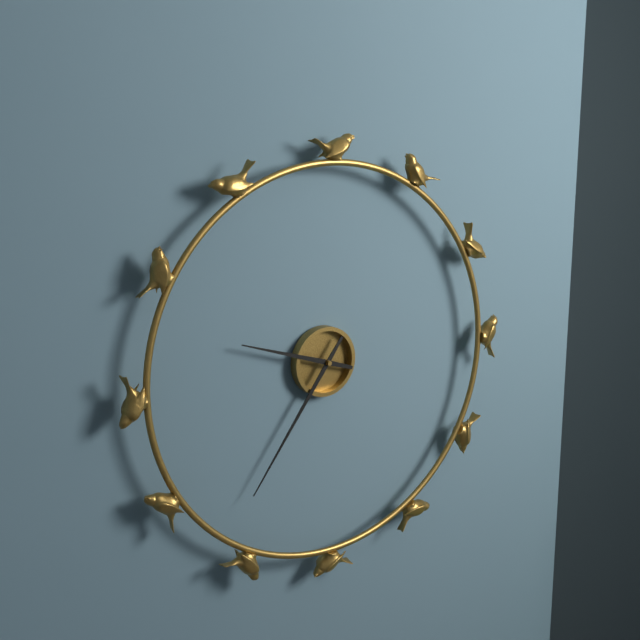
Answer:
h=9 m=36
